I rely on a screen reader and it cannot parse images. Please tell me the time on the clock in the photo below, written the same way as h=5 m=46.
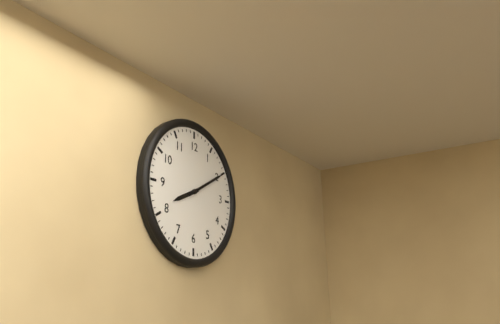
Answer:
h=8 m=10
